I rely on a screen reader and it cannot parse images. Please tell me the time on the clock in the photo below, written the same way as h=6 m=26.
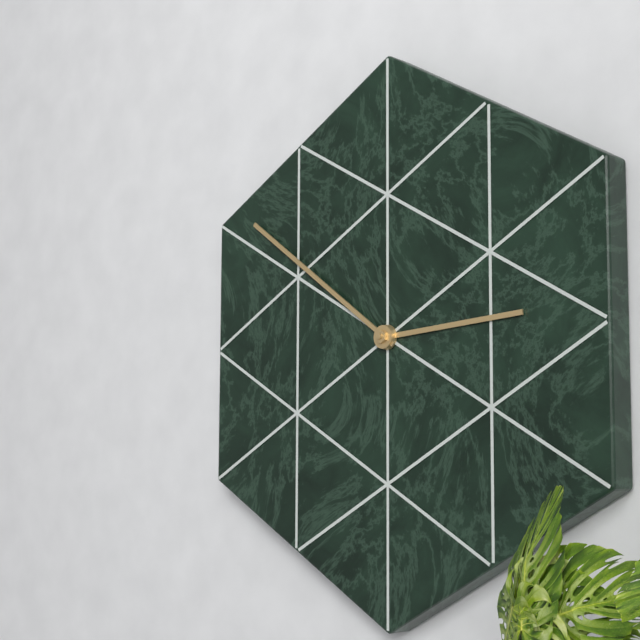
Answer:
h=2 m=51
